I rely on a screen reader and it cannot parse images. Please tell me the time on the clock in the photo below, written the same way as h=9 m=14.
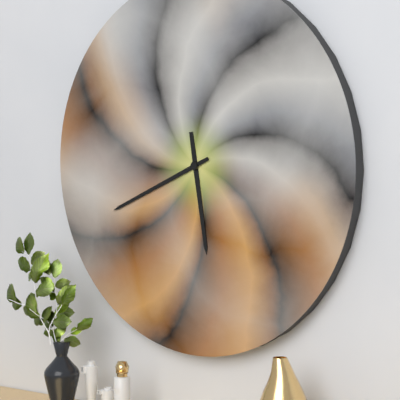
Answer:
h=5 m=41
